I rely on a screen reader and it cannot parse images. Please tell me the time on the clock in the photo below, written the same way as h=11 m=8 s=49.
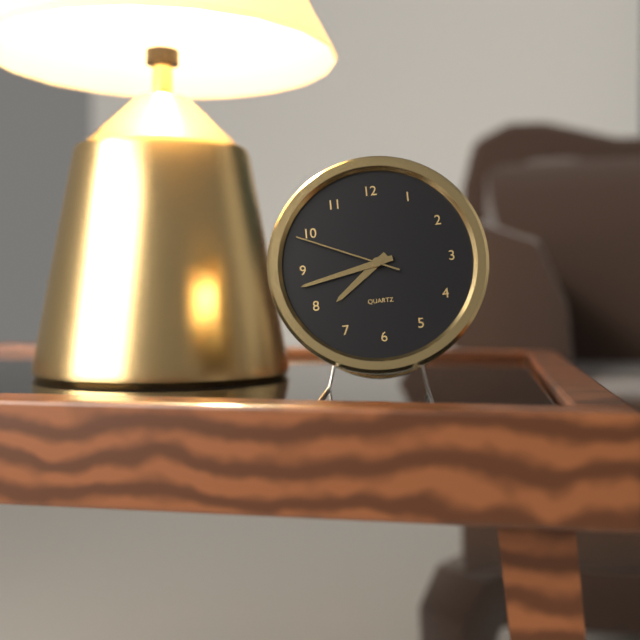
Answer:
h=7 m=43 s=49
